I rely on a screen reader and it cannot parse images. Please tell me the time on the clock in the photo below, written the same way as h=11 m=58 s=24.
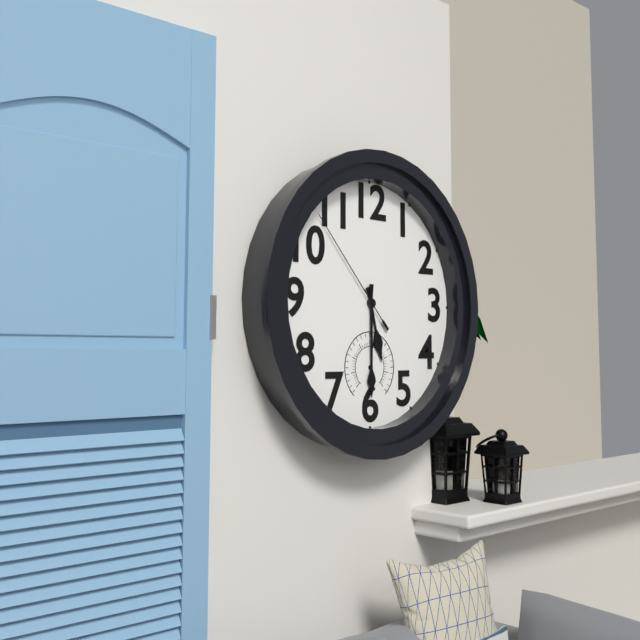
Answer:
h=5 m=30 s=53
